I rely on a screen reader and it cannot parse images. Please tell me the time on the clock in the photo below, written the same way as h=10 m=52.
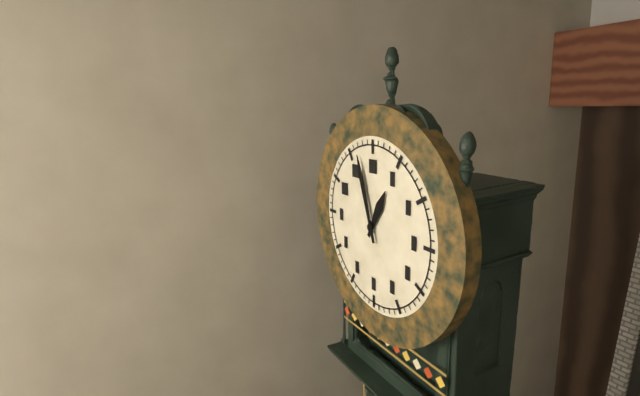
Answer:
h=12 m=57
